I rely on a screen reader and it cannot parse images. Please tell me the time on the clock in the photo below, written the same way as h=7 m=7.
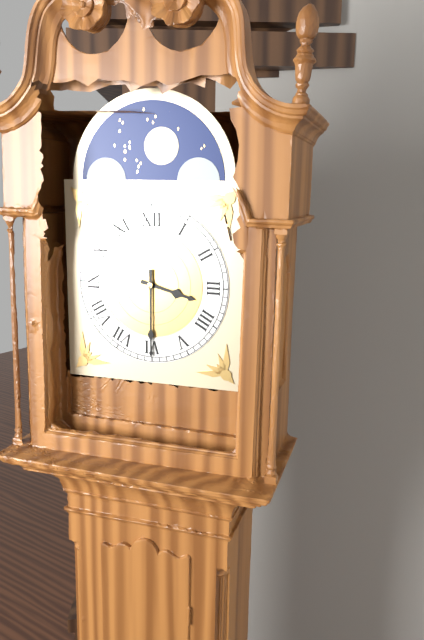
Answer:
h=3 m=30
